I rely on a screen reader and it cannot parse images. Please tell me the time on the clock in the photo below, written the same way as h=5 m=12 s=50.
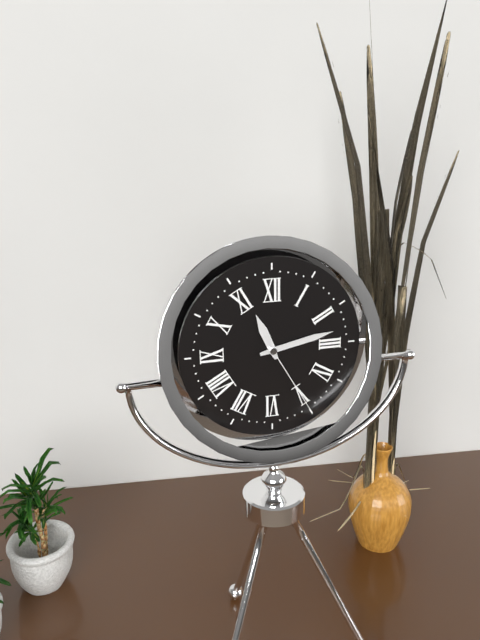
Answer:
h=11 m=13 s=25
